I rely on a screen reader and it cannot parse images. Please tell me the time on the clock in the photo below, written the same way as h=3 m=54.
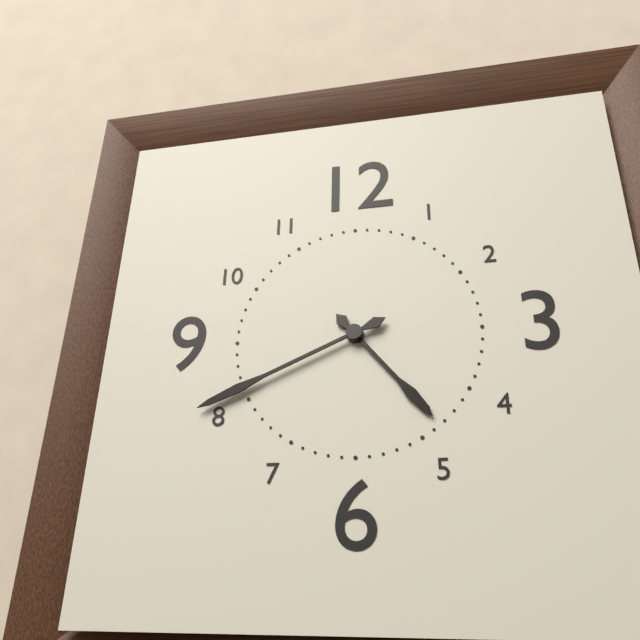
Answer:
h=4 m=41
